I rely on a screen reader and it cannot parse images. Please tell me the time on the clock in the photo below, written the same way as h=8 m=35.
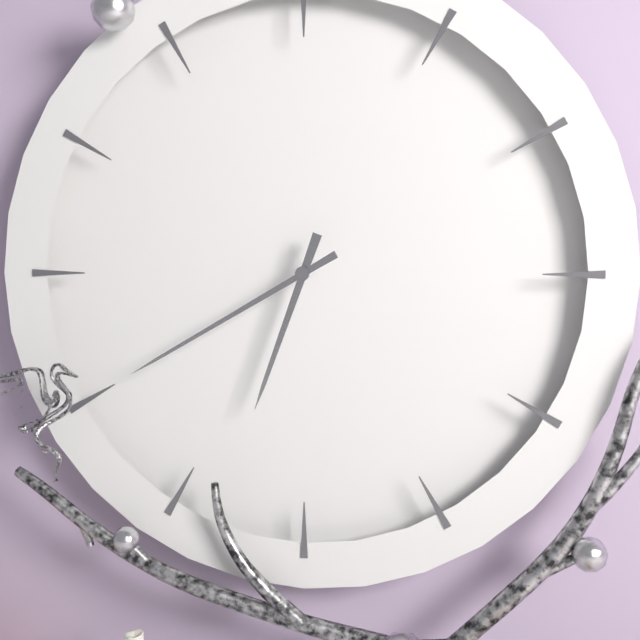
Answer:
h=6 m=40
